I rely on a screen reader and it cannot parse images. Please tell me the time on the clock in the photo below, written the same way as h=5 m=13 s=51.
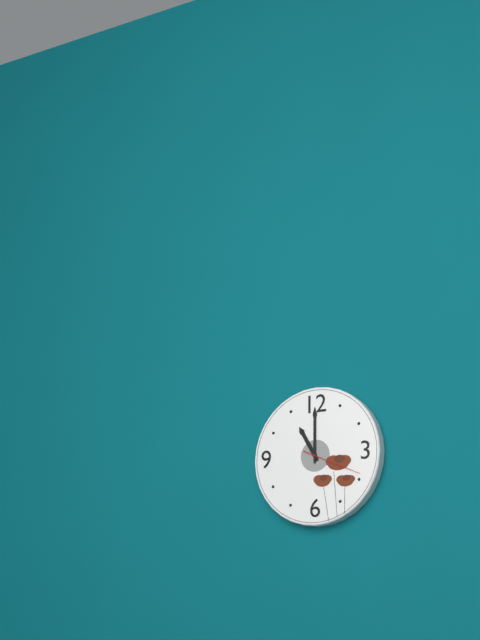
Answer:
h=11 m=0 s=19
